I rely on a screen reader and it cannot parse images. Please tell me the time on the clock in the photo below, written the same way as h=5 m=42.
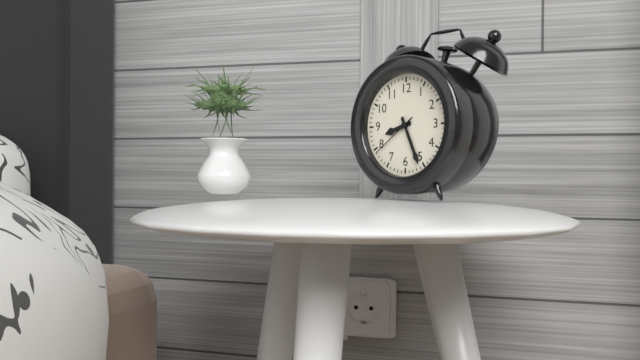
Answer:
h=8 m=26
